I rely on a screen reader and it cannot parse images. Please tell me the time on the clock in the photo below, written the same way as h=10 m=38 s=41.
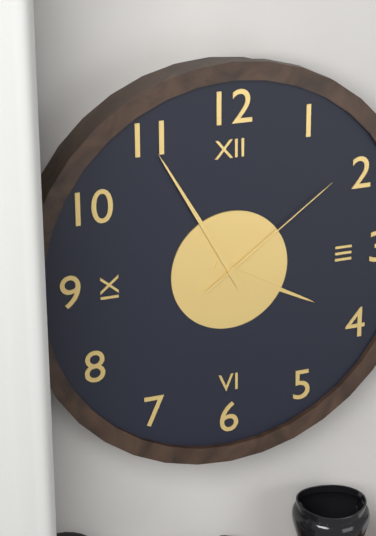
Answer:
h=3 m=55 s=9
